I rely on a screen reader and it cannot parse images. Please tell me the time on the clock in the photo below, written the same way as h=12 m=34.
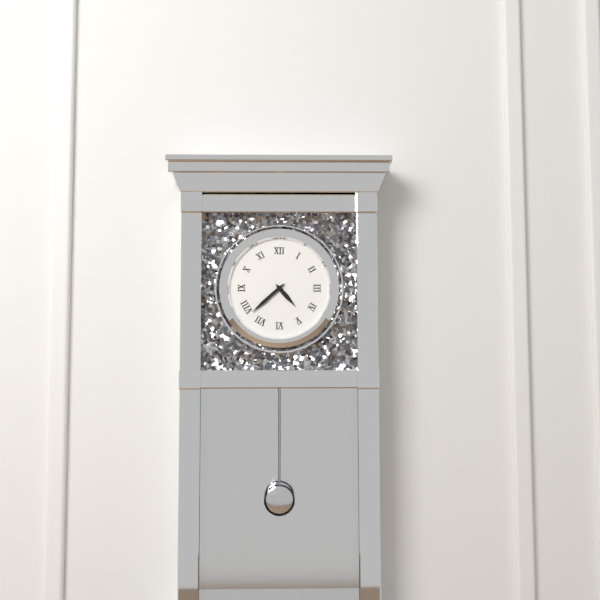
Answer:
h=4 m=38
